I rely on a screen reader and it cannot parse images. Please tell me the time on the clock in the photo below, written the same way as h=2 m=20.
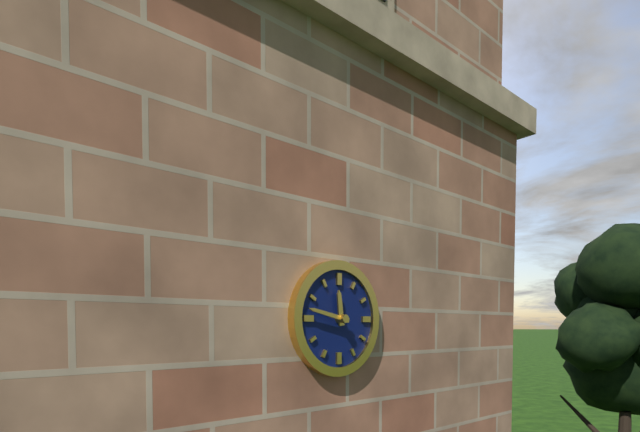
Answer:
h=11 m=47
